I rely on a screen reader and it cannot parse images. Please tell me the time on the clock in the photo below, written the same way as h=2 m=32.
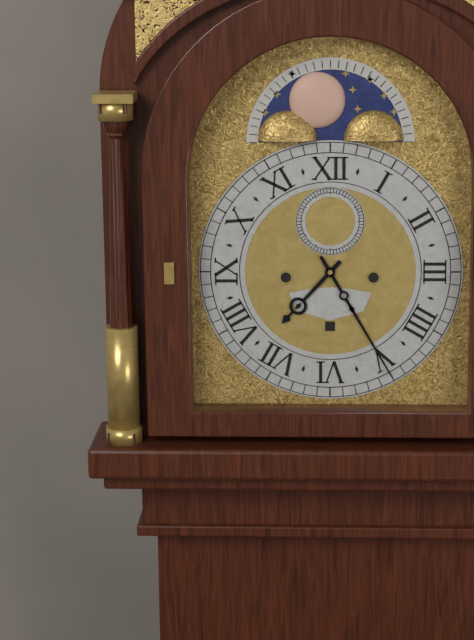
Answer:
h=7 m=25
